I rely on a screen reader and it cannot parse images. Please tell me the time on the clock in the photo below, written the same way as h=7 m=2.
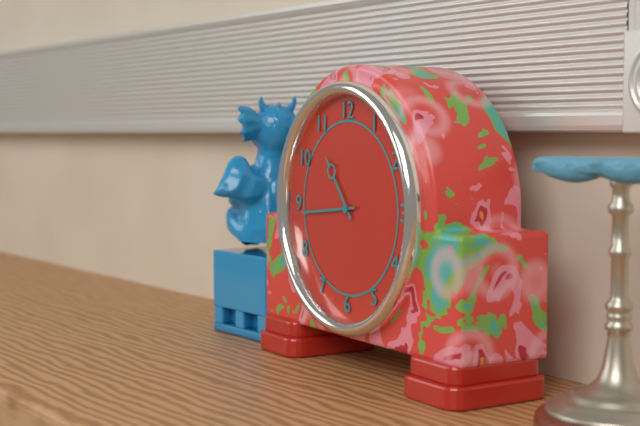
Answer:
h=10 m=44
